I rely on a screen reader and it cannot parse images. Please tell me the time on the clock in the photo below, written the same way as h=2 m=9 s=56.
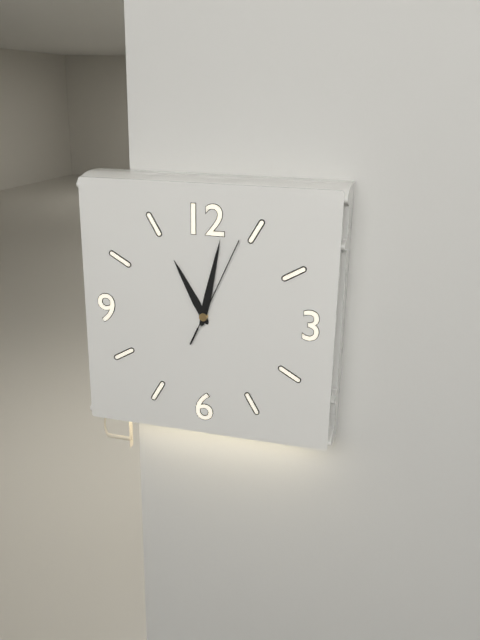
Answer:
h=11 m=2 s=4
